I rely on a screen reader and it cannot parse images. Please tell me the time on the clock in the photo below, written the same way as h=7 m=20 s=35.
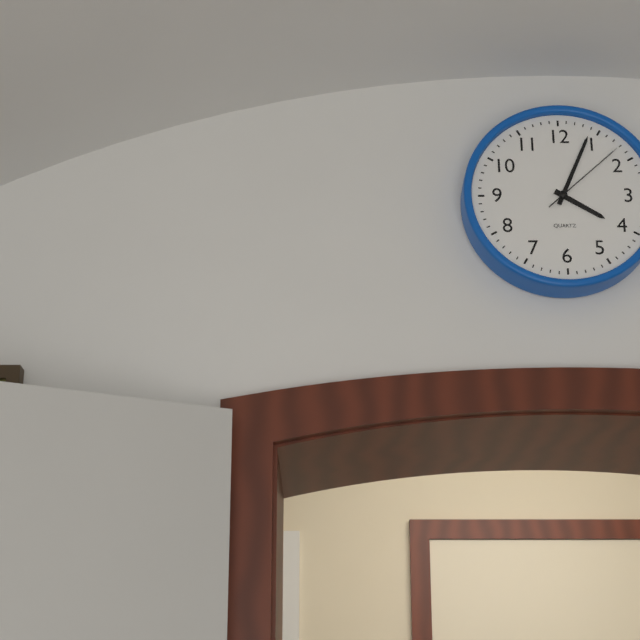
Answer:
h=4 m=4 s=8
